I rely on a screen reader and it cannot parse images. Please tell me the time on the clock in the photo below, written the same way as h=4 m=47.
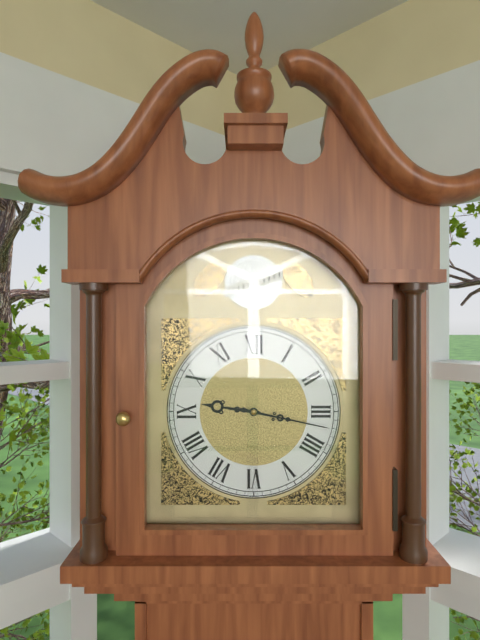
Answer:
h=9 m=17
